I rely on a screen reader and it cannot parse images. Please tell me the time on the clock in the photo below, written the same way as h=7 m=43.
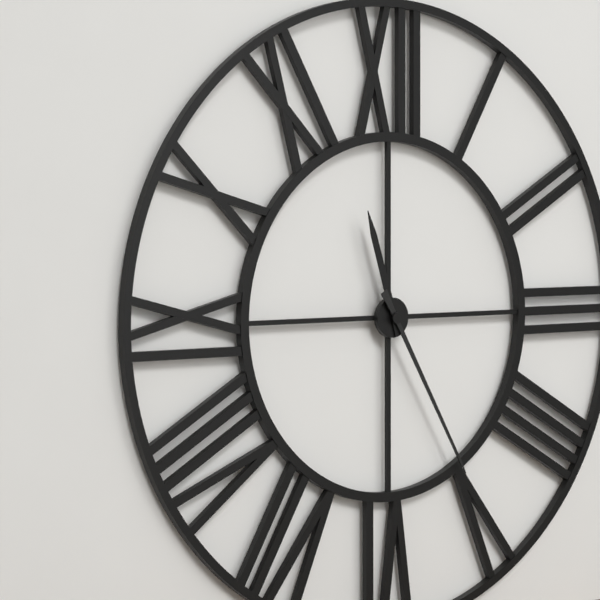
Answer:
h=11 m=25
